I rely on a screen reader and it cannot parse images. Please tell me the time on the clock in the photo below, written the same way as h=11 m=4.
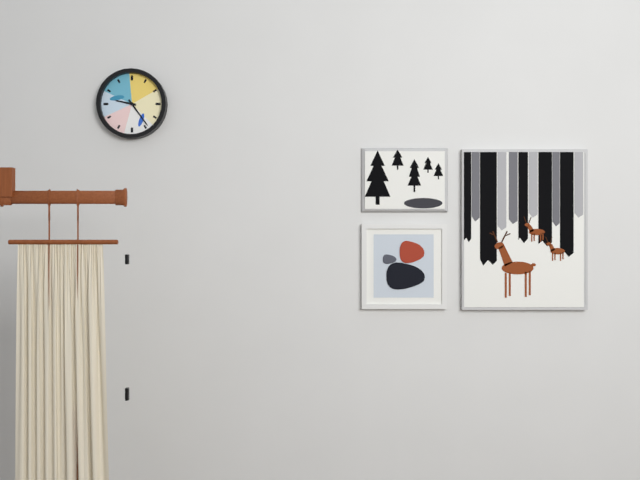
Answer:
h=9 m=24
